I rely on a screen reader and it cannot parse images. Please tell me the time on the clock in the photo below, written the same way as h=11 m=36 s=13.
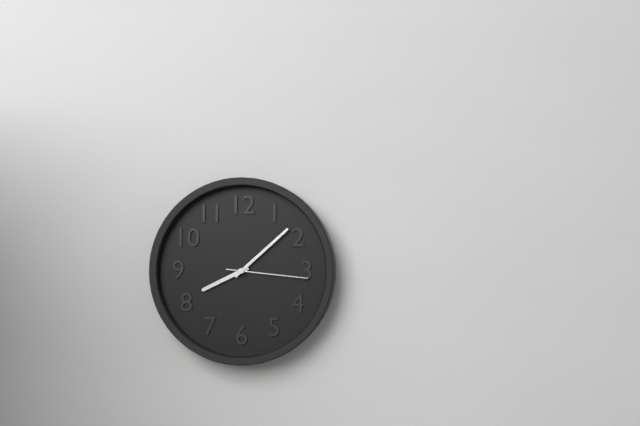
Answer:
h=8 m=8 s=16
